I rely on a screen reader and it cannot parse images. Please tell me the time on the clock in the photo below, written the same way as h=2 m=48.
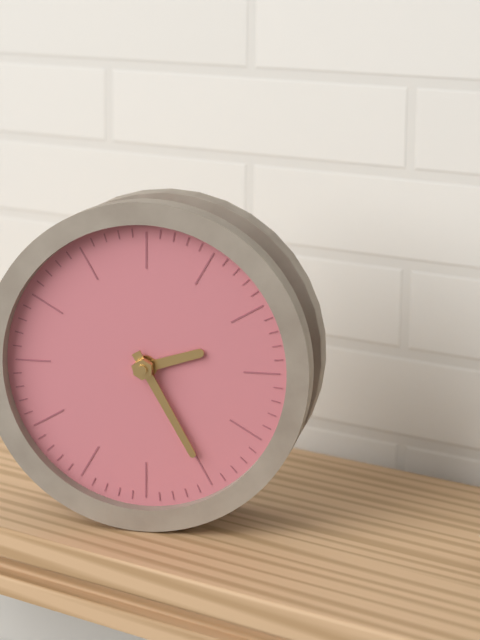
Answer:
h=2 m=25
